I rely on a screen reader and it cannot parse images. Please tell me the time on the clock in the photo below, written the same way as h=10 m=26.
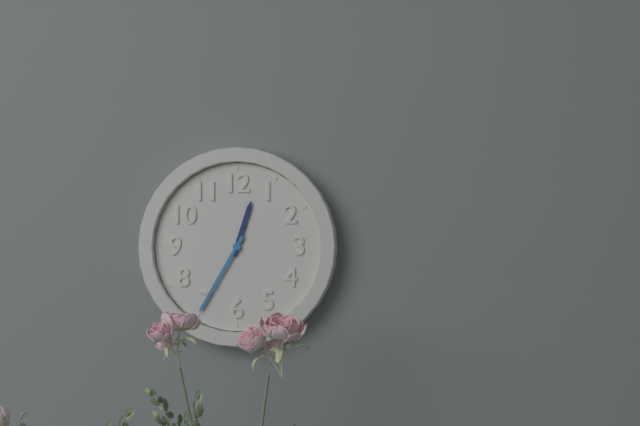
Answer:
h=12 m=35
